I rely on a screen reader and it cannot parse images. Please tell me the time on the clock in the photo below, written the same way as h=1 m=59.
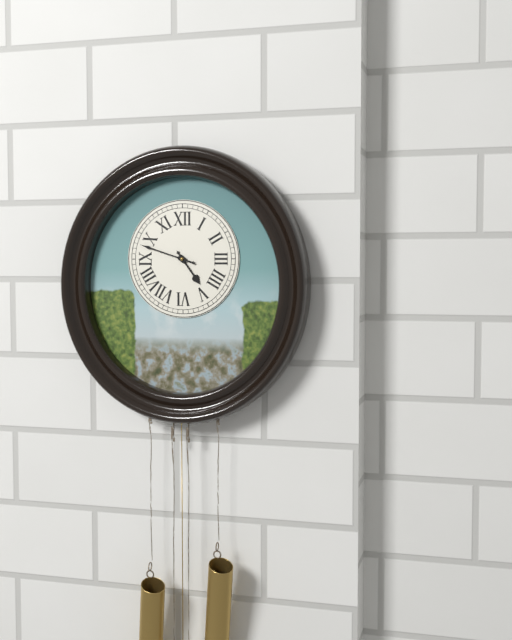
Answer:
h=4 m=48
